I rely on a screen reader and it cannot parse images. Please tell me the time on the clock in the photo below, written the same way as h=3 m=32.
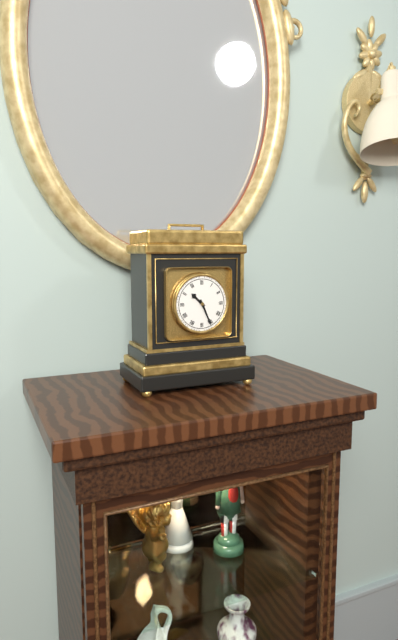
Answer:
h=10 m=26
